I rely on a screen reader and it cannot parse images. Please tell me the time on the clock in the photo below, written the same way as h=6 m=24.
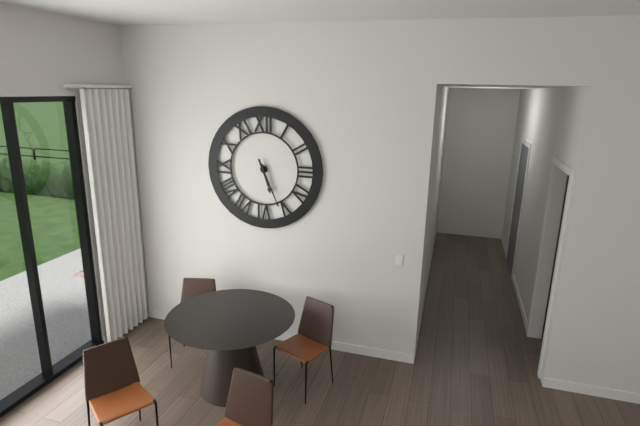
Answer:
h=5 m=26
